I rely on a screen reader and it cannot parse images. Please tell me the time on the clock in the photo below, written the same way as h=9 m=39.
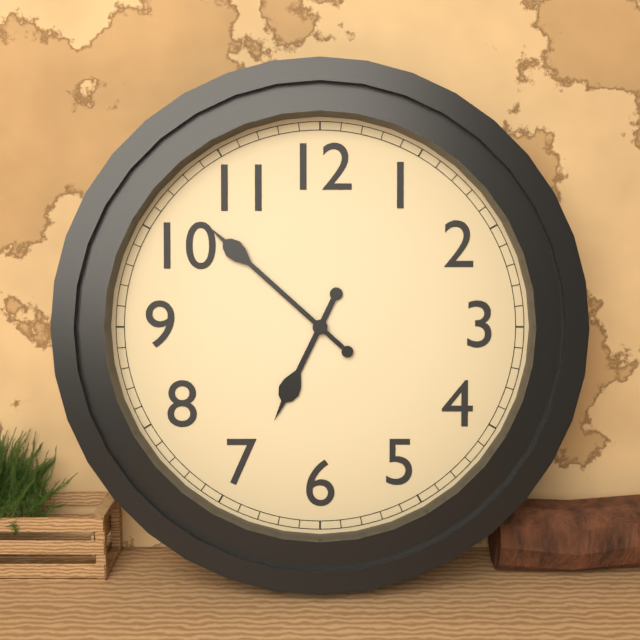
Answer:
h=6 m=52
